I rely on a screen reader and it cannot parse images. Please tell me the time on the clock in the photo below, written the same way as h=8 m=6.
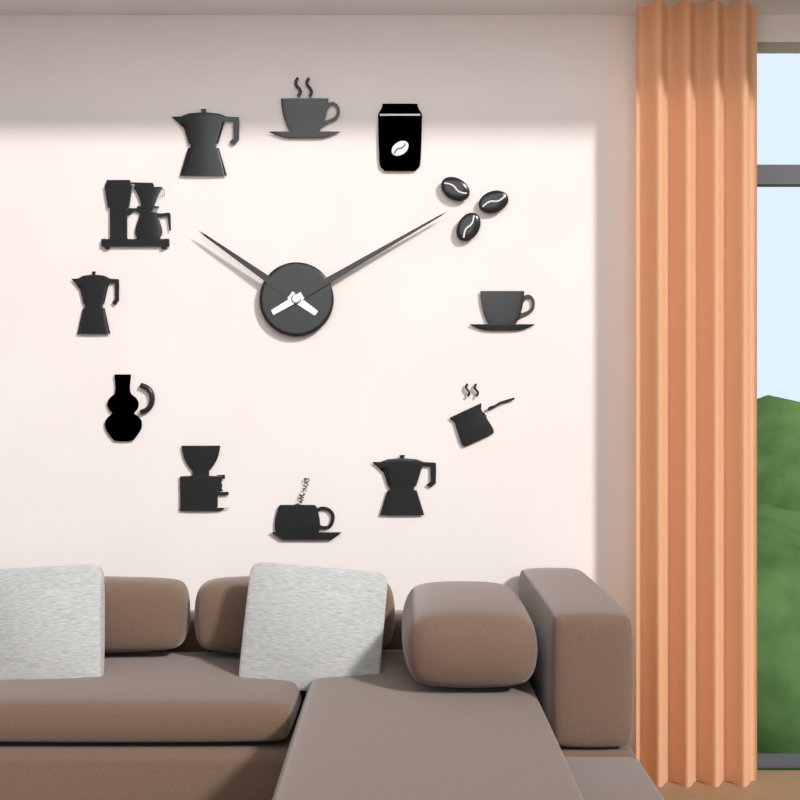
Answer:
h=10 m=10
